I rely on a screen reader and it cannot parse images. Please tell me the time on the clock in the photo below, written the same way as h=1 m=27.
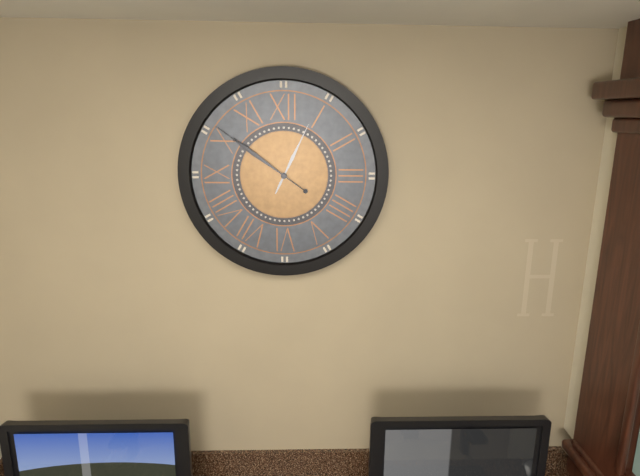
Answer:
h=12 m=51
